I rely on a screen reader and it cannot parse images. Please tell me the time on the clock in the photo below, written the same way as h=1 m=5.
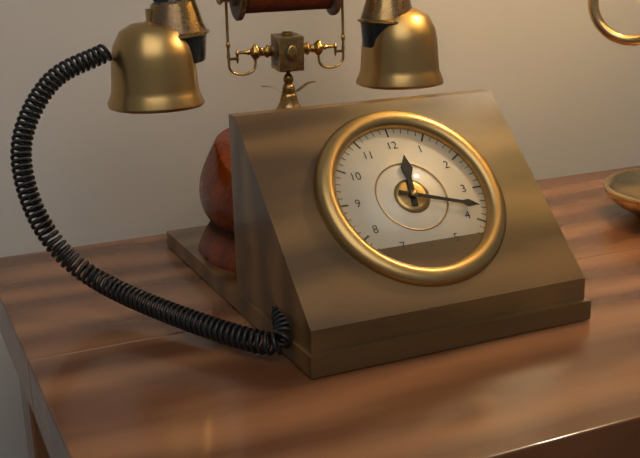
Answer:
h=12 m=18
